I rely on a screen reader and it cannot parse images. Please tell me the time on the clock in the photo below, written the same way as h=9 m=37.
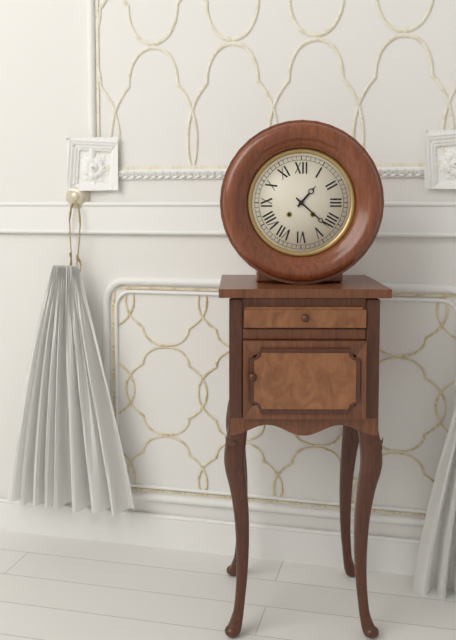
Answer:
h=1 m=22
